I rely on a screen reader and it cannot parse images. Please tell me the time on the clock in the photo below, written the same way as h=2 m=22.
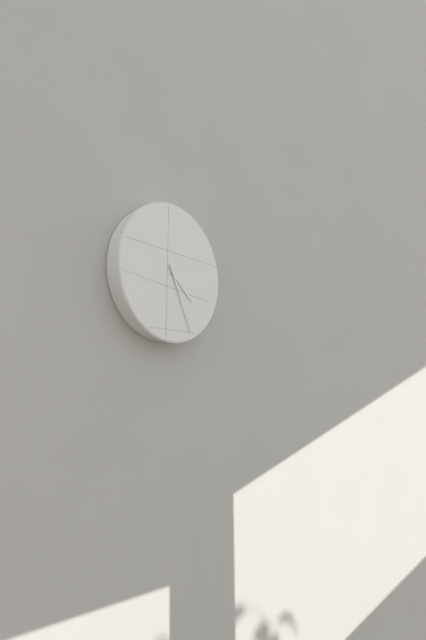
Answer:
h=4 m=26
